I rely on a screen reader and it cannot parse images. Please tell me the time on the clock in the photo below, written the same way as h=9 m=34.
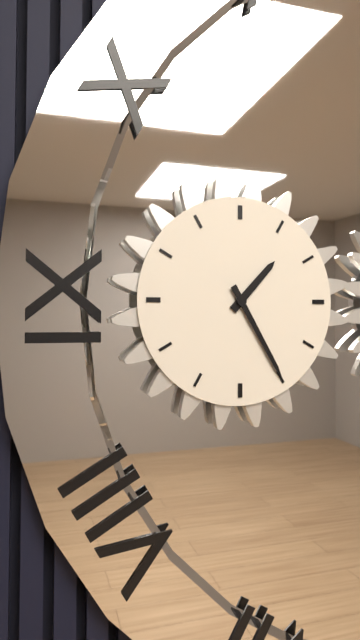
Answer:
h=1 m=25
